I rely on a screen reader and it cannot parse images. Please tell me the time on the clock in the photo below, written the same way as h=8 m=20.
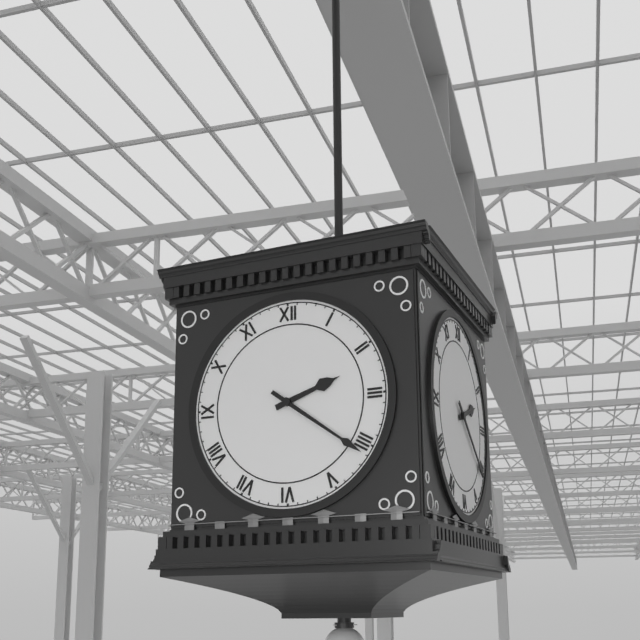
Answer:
h=2 m=21
